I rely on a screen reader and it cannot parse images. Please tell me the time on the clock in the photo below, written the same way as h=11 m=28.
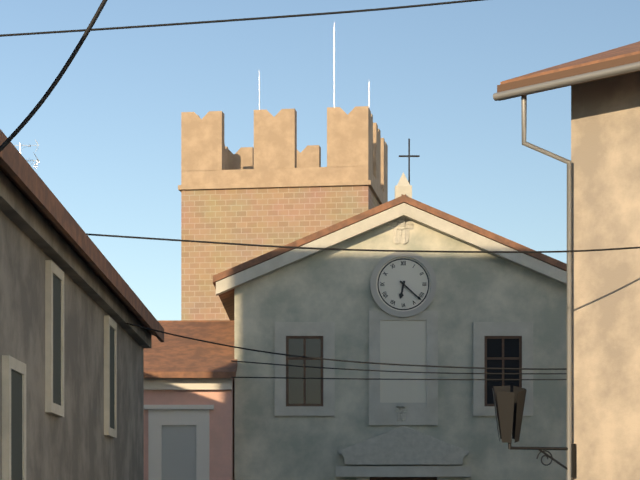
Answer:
h=6 m=22
